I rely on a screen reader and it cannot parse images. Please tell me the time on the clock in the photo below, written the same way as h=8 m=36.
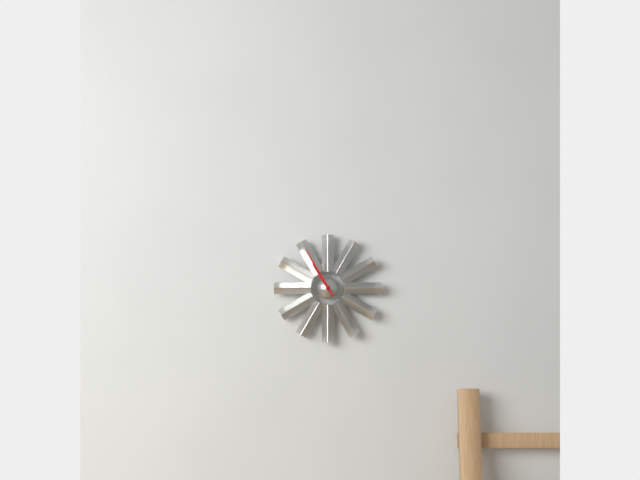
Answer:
h=10 m=55
